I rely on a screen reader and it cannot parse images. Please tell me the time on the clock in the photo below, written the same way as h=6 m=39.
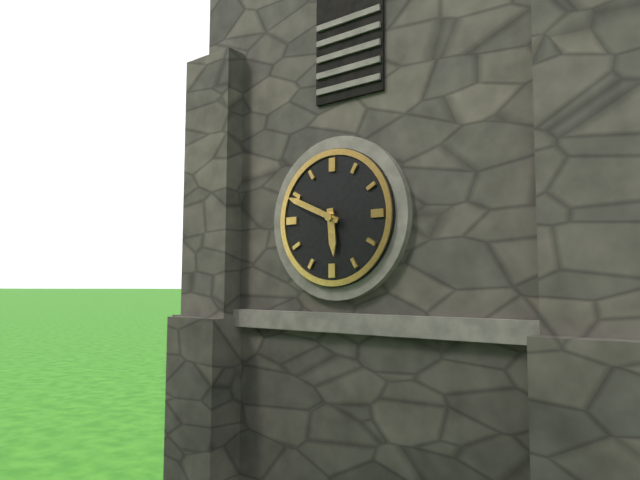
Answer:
h=5 m=49
